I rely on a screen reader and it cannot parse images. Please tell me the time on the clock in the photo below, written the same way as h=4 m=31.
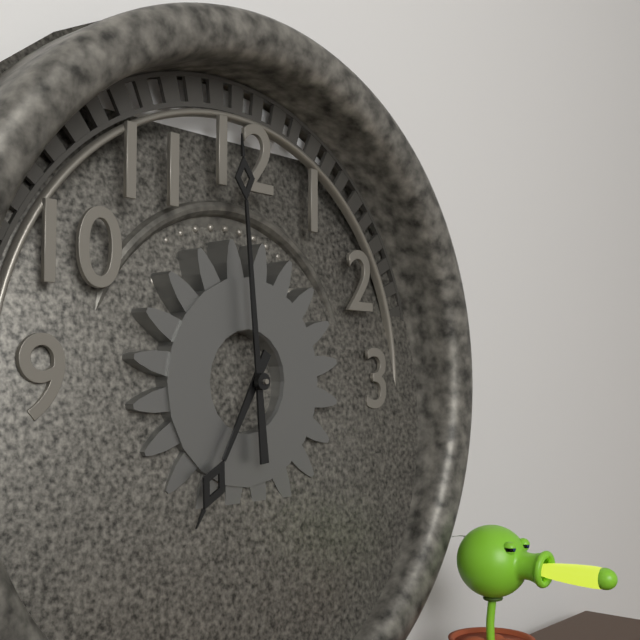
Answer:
h=6 m=59
